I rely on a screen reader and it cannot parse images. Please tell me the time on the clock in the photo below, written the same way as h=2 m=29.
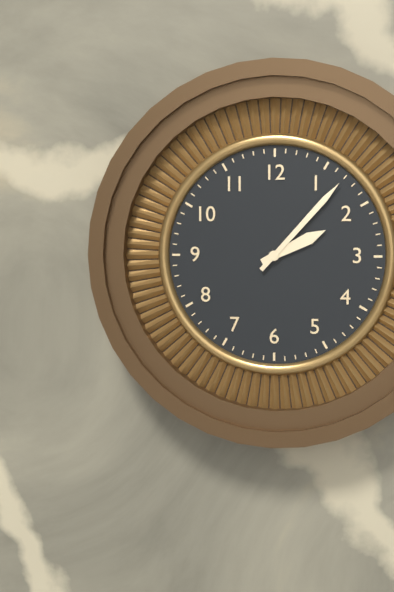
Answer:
h=2 m=7
